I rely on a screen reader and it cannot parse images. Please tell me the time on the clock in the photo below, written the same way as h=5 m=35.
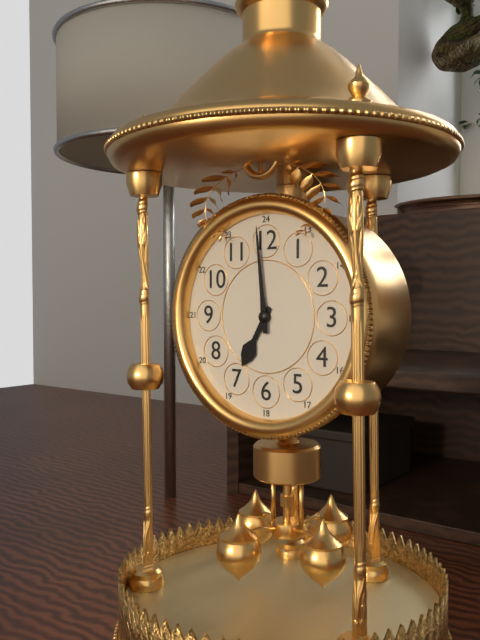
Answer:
h=6 m=59
